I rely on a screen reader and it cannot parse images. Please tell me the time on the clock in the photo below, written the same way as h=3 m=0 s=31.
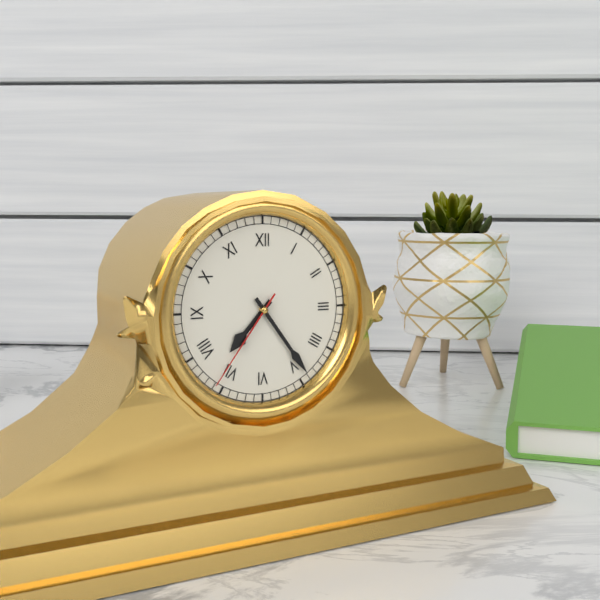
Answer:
h=7 m=24 s=36
